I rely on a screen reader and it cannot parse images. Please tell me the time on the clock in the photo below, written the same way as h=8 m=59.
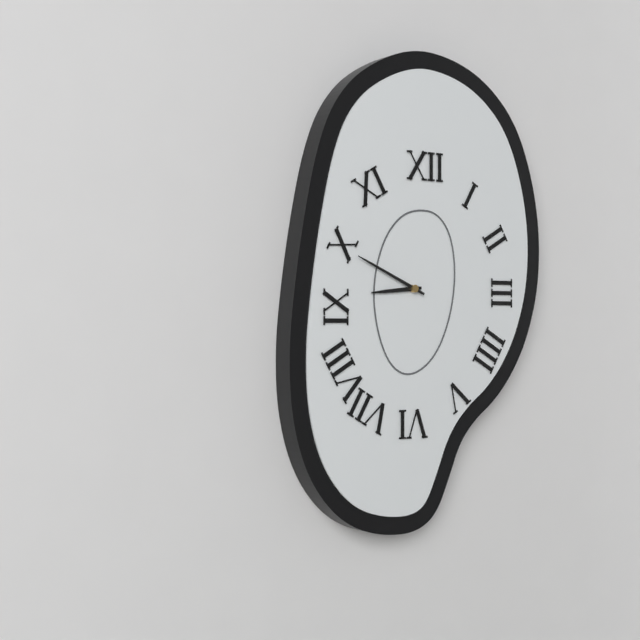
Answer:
h=8 m=49
